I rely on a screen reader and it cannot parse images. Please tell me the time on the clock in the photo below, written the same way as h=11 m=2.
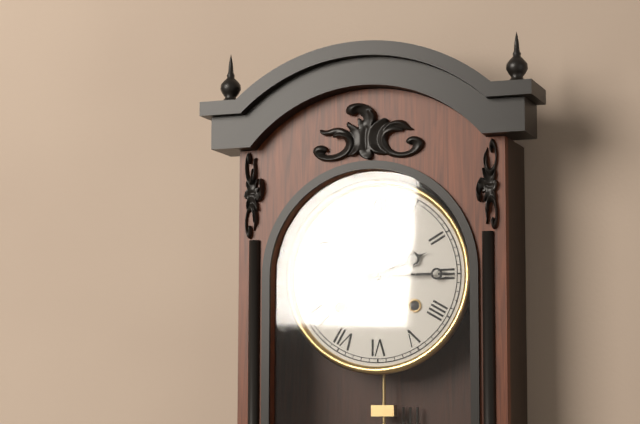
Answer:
h=2 m=15
